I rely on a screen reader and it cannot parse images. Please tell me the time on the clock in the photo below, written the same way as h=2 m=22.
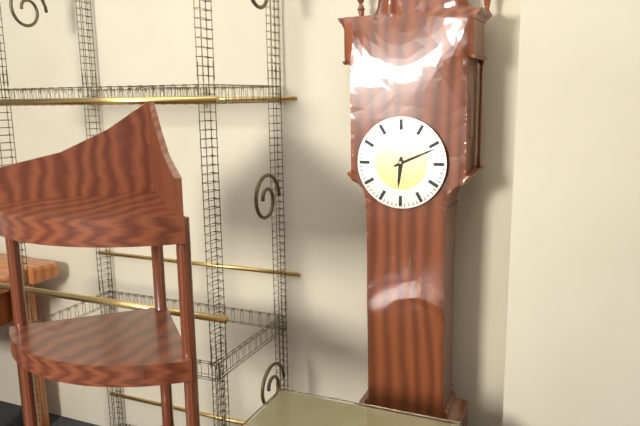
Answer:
h=6 m=11
